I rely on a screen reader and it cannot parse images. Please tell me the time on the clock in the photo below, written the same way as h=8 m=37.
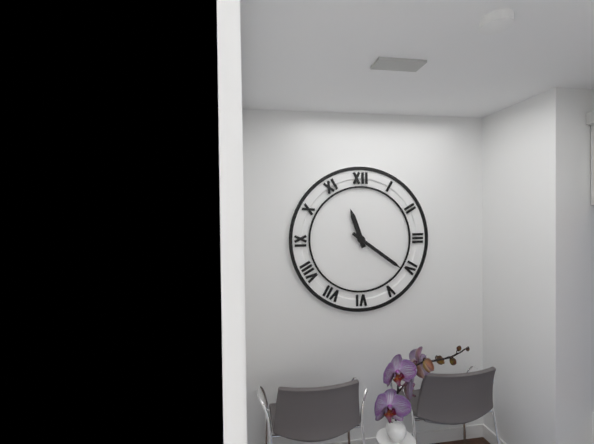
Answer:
h=11 m=21
